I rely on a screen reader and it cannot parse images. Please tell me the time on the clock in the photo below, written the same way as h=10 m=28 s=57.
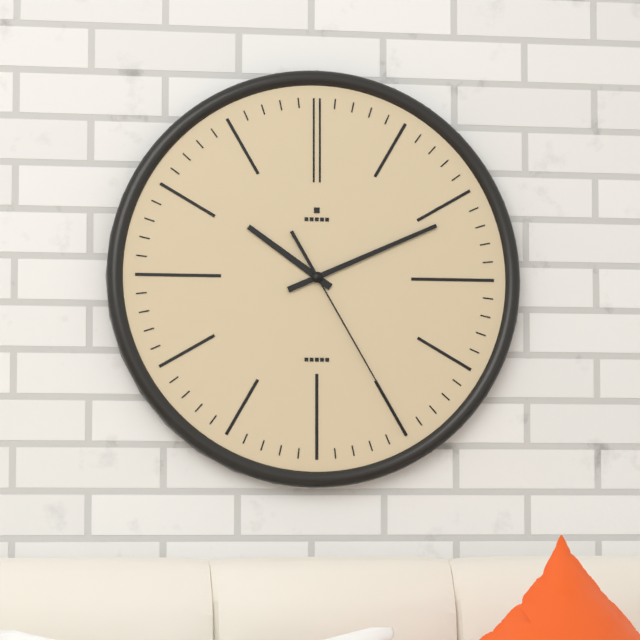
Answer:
h=10 m=11 s=25
